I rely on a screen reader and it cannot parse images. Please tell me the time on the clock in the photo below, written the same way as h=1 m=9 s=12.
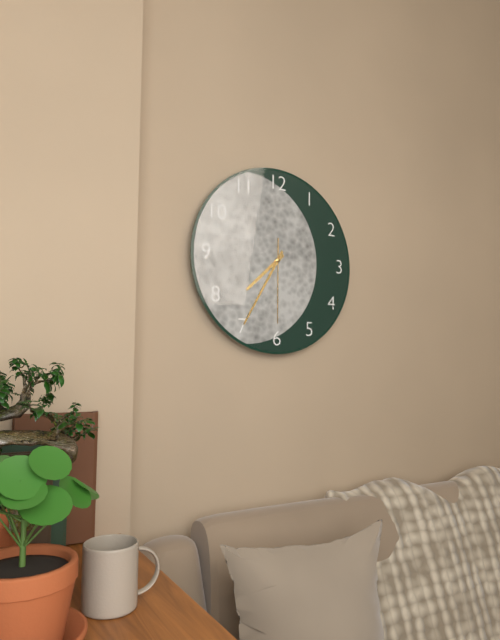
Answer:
h=7 m=35 s=30
